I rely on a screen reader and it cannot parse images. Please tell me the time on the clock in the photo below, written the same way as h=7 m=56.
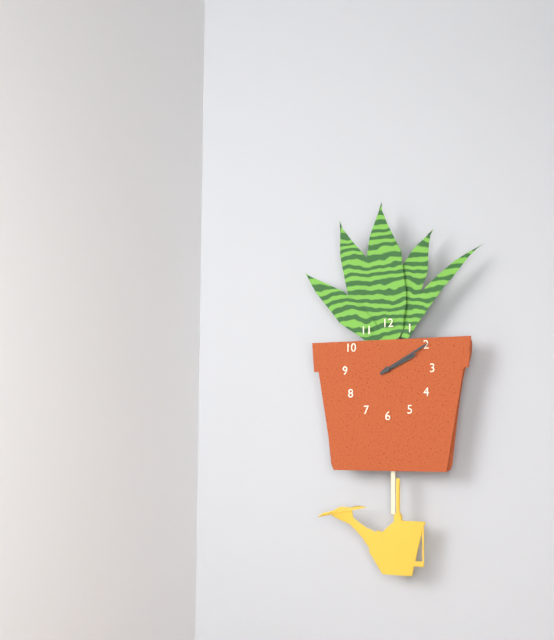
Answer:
h=2 m=10
